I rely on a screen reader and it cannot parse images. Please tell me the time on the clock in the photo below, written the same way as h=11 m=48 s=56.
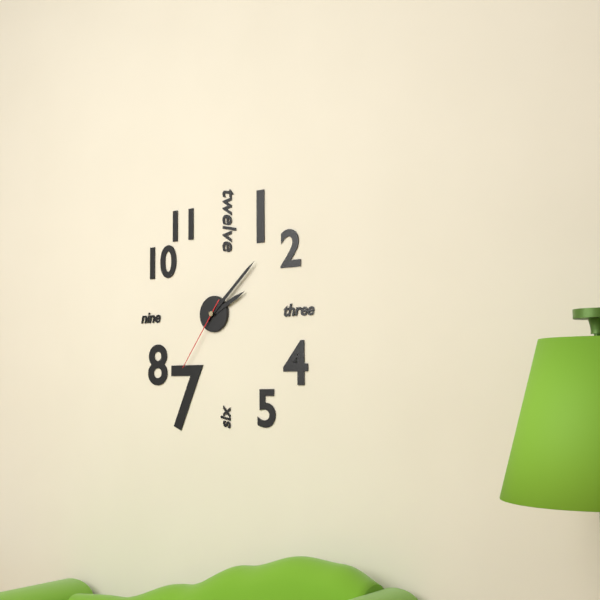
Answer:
h=2 m=8 s=36
